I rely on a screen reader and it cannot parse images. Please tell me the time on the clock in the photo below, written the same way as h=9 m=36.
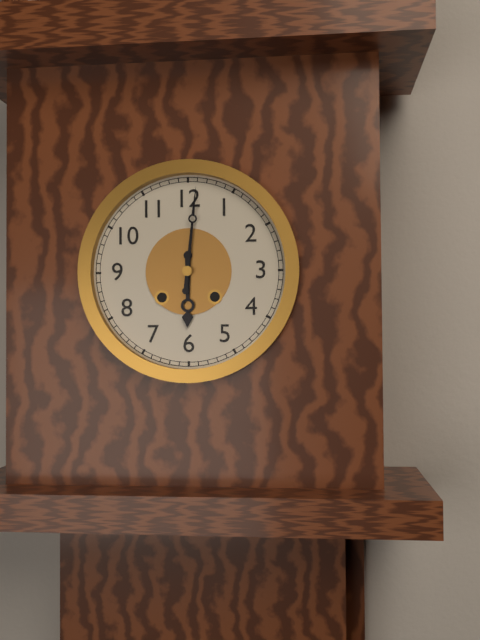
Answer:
h=6 m=1
